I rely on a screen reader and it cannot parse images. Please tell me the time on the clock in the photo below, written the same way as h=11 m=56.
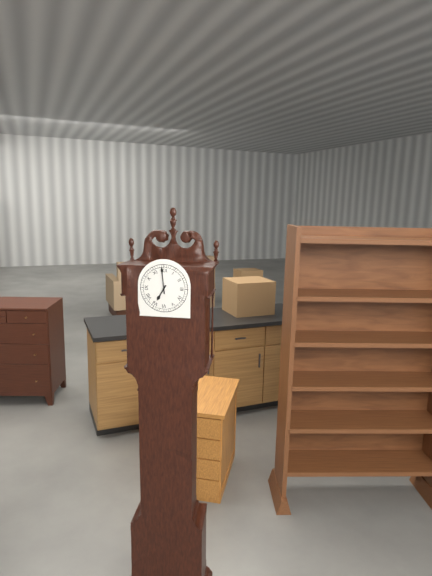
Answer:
h=6 m=59
